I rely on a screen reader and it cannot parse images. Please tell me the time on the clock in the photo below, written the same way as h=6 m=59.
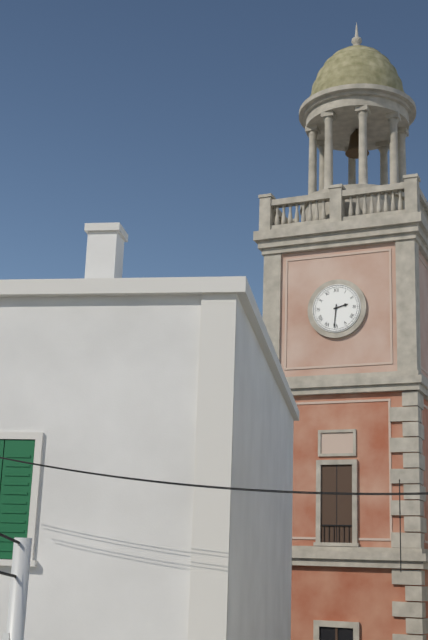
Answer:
h=2 m=31
